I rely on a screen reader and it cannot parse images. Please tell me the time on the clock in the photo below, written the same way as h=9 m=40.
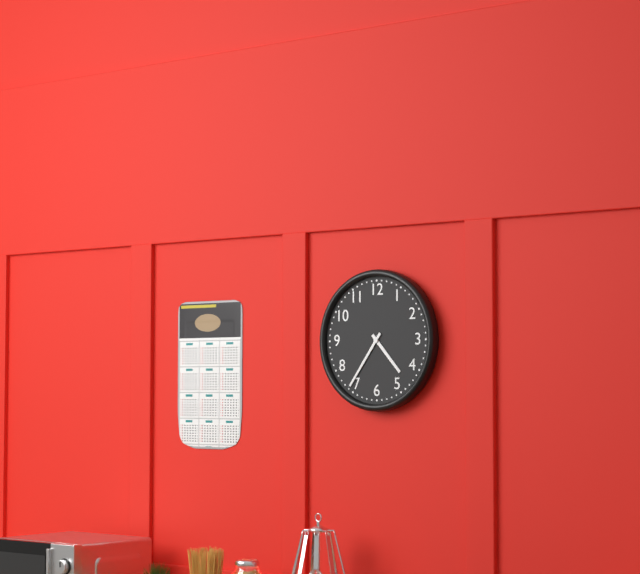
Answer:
h=4 m=36
